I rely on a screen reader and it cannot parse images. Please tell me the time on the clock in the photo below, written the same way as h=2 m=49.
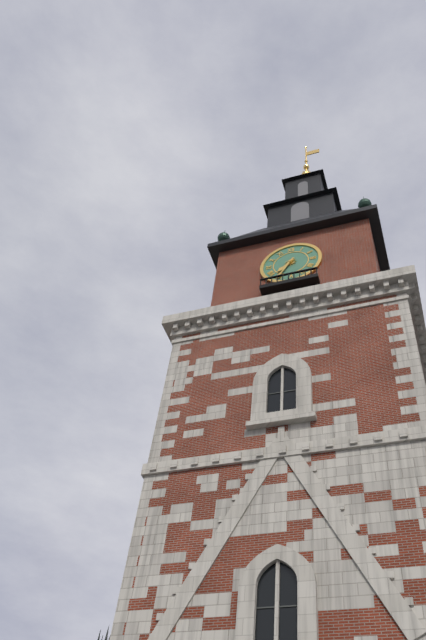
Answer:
h=7 m=35
